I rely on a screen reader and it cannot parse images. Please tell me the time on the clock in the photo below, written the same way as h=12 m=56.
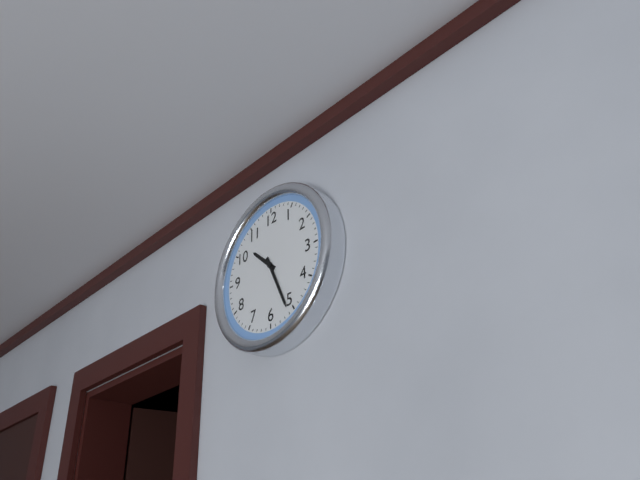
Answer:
h=10 m=26
